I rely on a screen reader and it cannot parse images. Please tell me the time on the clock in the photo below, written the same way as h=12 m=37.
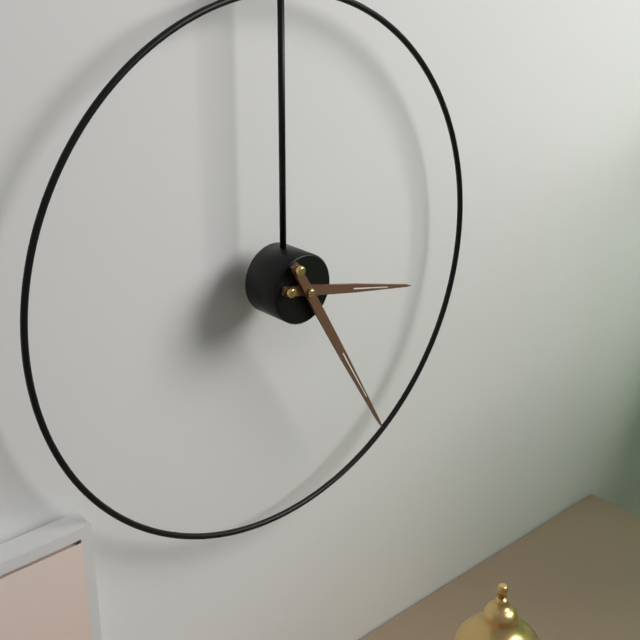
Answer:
h=3 m=25
